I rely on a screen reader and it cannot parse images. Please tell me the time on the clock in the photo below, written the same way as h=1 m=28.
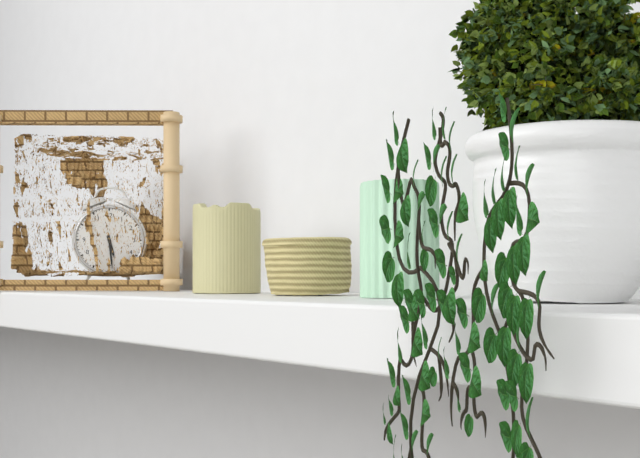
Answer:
h=5 m=29
